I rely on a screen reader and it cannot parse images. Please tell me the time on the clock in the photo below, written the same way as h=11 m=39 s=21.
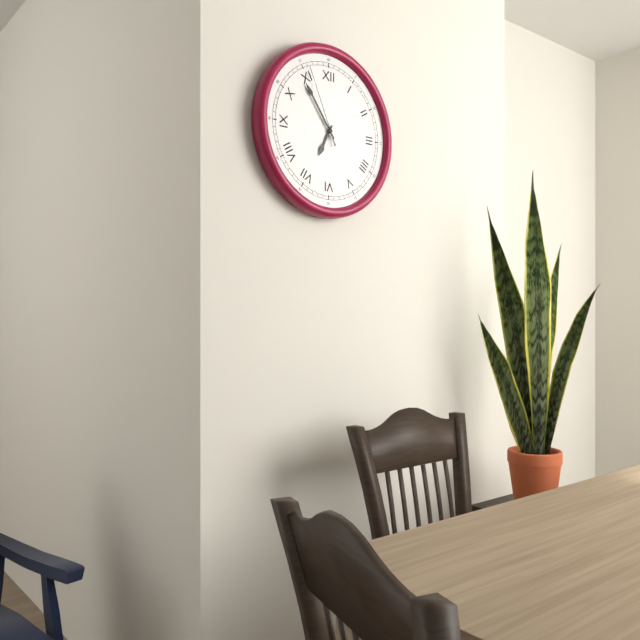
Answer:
h=6 m=54 s=56
